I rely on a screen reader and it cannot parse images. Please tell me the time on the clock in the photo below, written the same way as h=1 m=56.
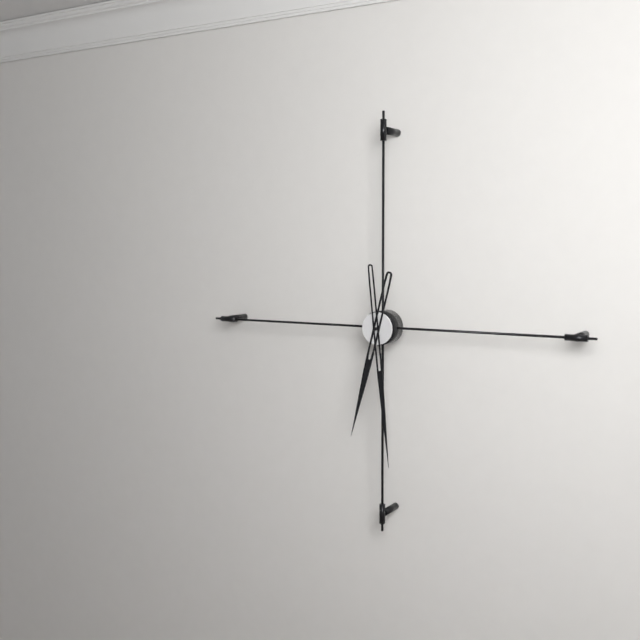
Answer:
h=6 m=29
